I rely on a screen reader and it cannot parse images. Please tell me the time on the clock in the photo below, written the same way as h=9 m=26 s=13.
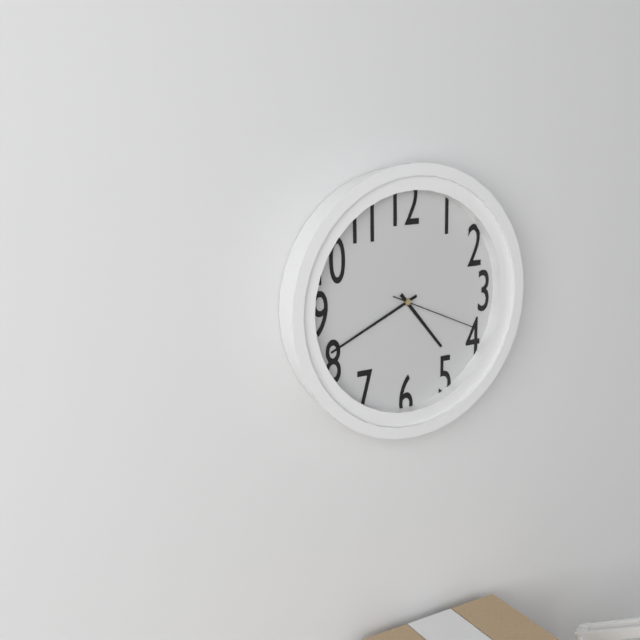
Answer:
h=4 m=41 s=19
